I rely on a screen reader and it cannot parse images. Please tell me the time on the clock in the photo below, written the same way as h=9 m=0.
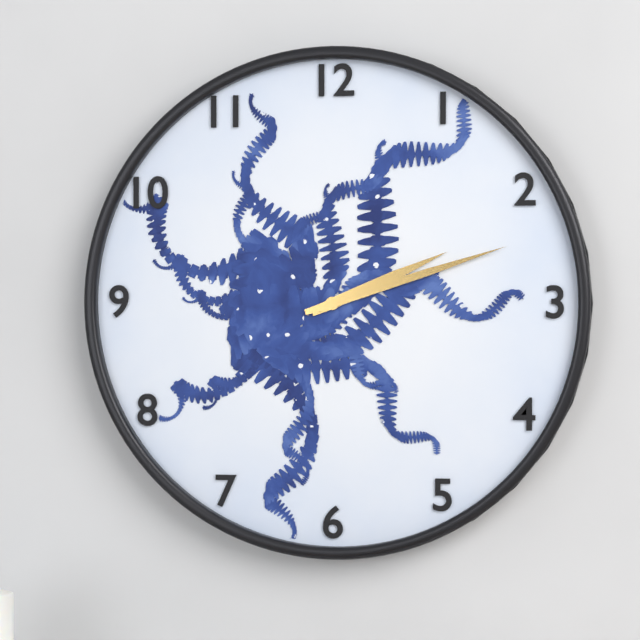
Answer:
h=2 m=12
